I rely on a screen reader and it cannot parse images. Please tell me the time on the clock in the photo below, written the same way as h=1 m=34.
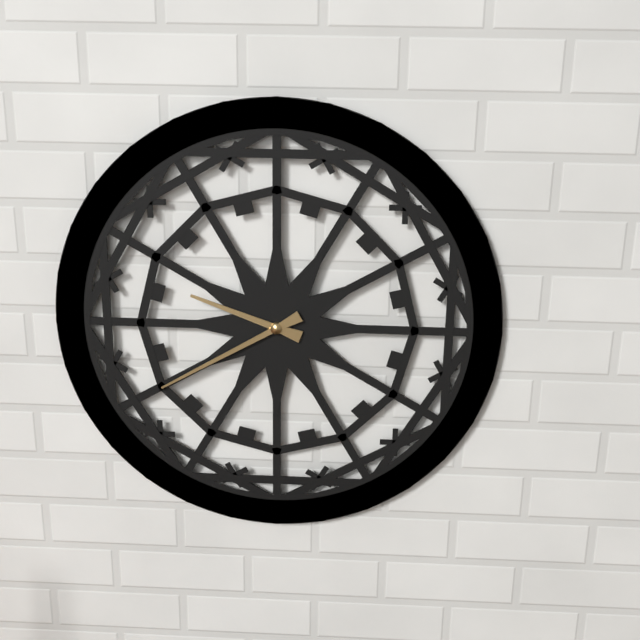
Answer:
h=9 m=40
